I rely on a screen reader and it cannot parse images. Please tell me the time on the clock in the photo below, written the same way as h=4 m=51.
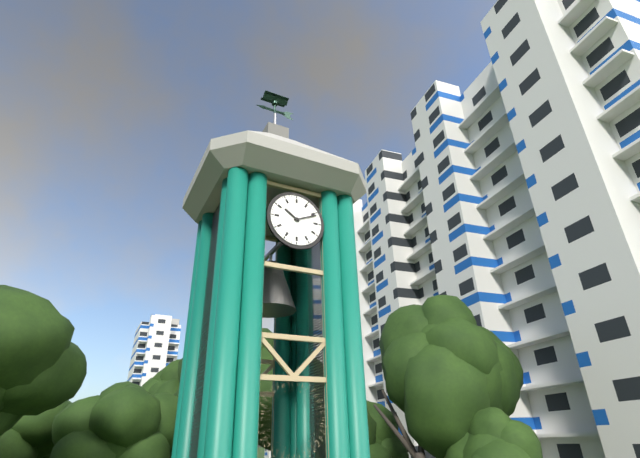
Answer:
h=10 m=11
